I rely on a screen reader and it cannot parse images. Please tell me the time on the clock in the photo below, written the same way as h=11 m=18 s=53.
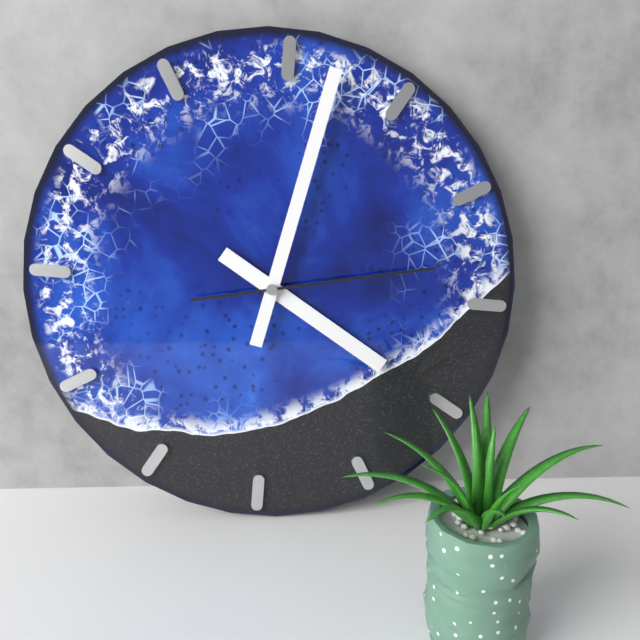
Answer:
h=4 m=2 s=13
